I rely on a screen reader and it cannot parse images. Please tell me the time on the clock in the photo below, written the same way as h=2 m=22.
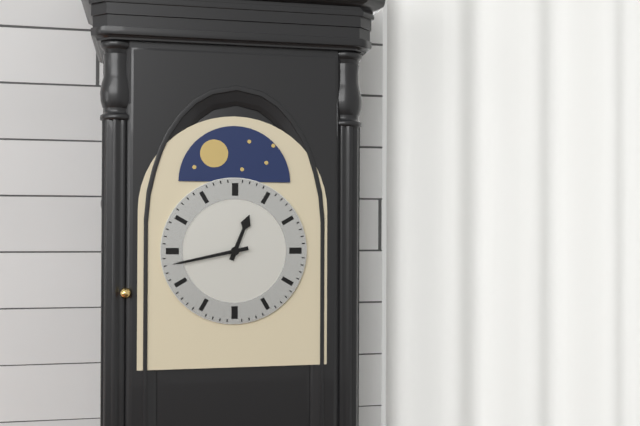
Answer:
h=12 m=43
